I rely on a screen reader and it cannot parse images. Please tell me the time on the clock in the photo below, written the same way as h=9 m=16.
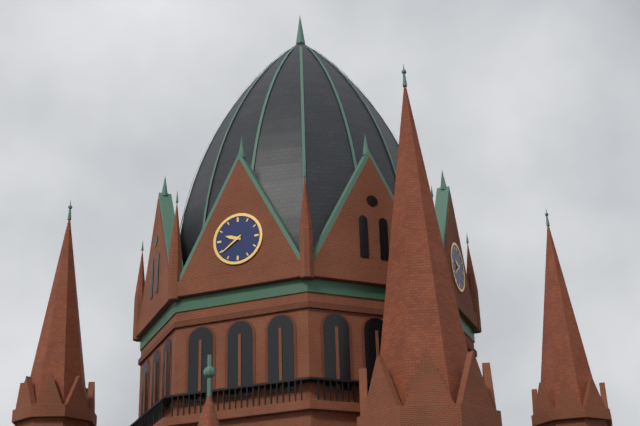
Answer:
h=9 m=39
